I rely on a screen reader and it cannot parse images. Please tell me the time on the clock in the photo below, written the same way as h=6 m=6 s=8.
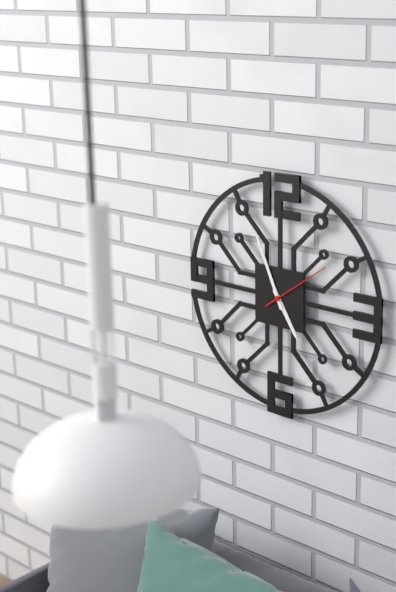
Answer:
h=4 m=56 s=9
